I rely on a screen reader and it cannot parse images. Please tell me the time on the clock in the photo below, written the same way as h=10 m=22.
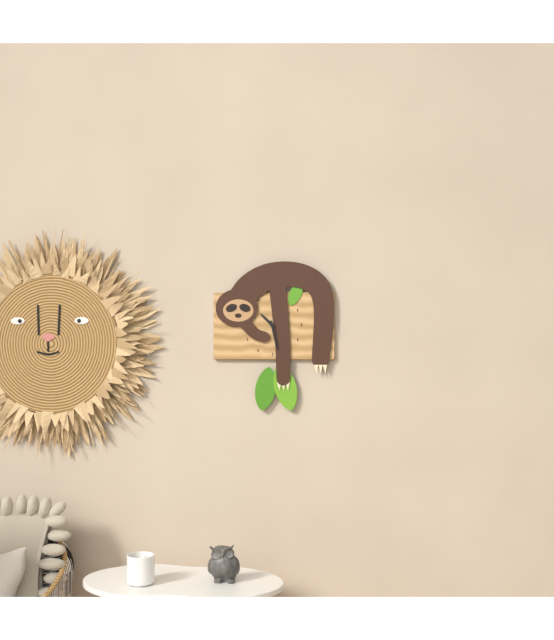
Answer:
h=10 m=28
